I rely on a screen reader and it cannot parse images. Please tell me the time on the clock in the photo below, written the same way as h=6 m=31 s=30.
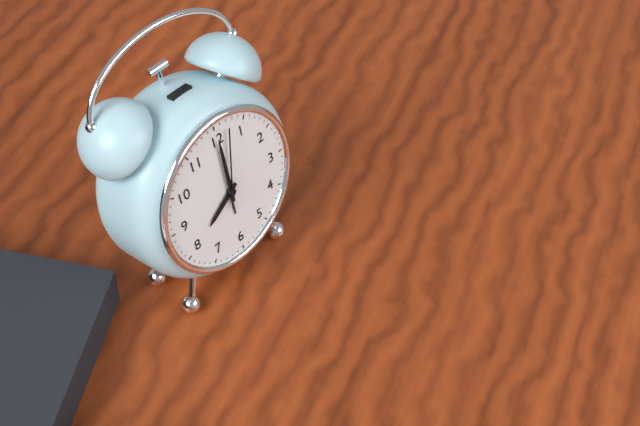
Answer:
h=8 m=0 s=2
